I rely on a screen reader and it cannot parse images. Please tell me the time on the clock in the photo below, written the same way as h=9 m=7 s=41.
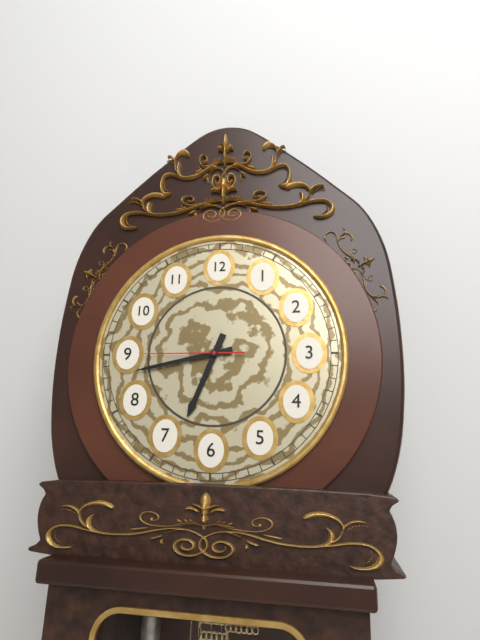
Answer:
h=6 m=43 s=45
